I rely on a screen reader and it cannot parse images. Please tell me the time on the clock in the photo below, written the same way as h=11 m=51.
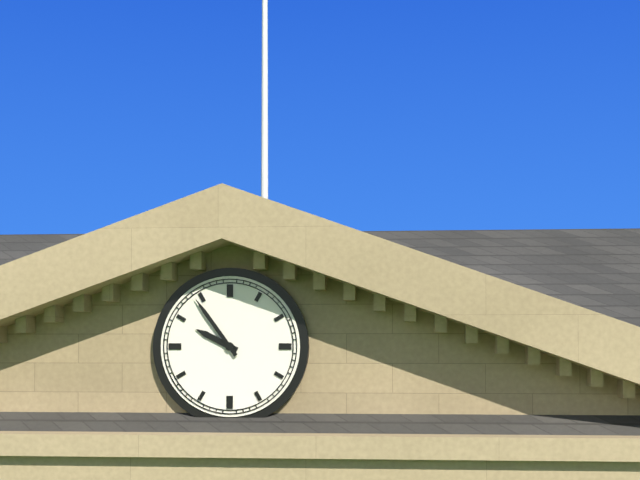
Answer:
h=9 m=54
